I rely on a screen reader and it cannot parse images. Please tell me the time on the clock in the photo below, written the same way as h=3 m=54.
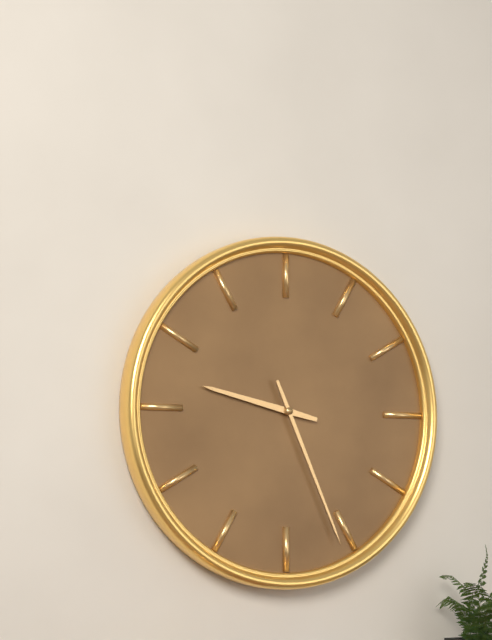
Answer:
h=9 m=26
